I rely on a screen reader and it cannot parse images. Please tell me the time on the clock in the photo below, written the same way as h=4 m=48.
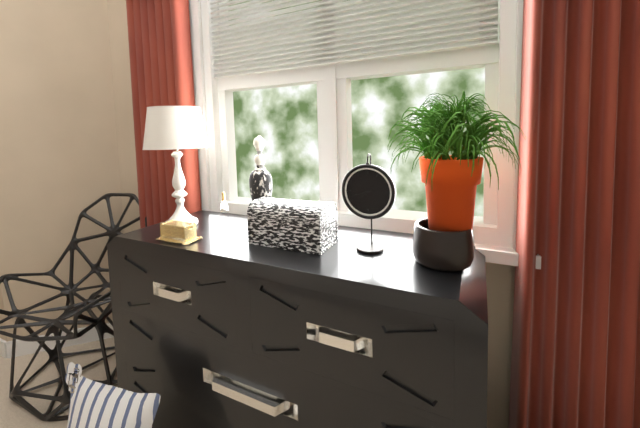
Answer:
h=7 m=42
